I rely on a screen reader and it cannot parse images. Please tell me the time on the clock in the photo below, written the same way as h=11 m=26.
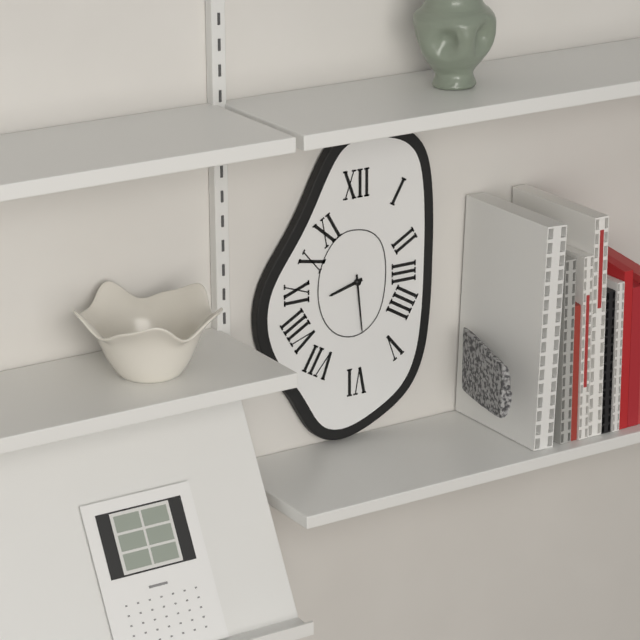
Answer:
h=8 m=29
